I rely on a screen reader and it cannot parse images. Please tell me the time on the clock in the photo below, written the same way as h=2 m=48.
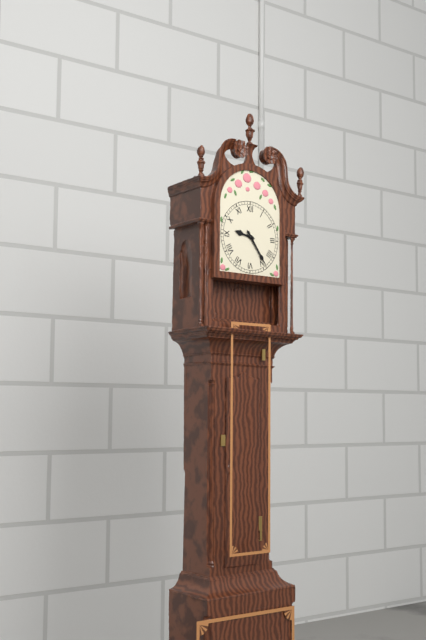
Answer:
h=9 m=24
